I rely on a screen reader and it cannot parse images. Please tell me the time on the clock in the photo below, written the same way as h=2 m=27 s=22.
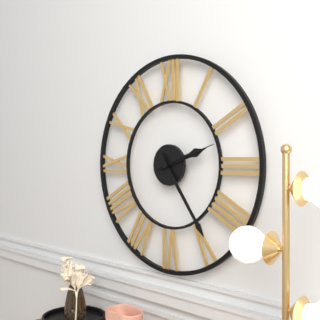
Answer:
h=2 m=24 s=12
